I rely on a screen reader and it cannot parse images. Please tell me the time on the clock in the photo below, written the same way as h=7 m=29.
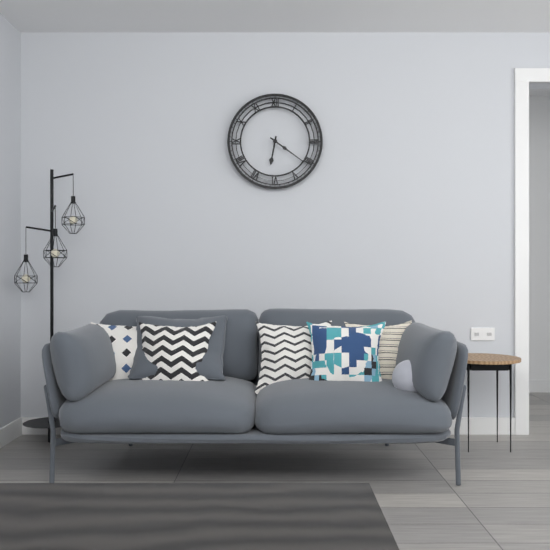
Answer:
h=6 m=21
